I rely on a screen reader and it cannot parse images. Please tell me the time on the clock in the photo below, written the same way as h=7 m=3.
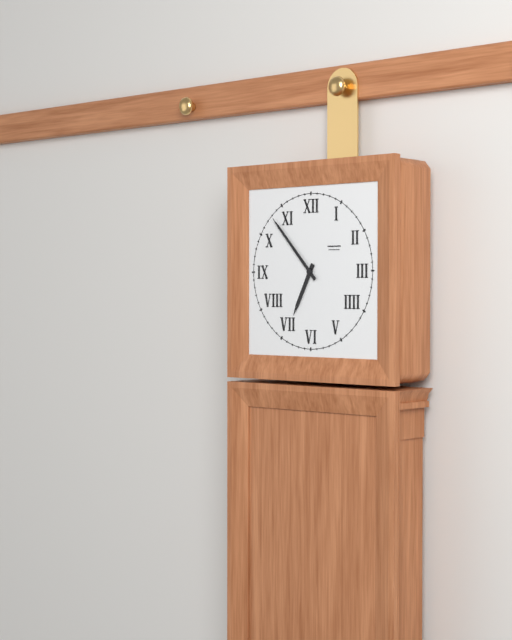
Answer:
h=6 m=53
